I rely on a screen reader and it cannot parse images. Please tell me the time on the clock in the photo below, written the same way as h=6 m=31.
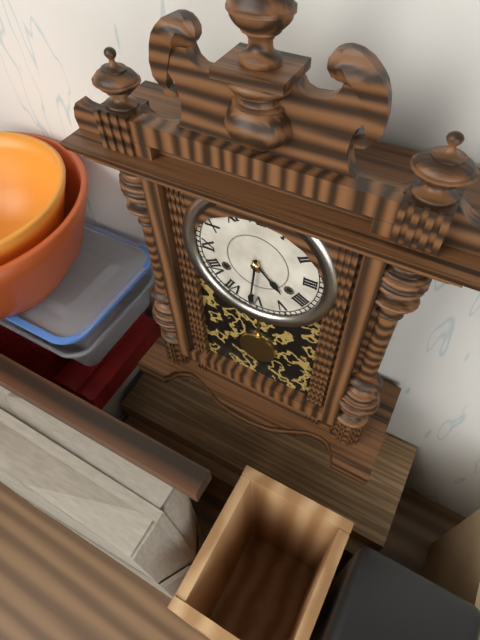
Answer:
h=4 m=31
